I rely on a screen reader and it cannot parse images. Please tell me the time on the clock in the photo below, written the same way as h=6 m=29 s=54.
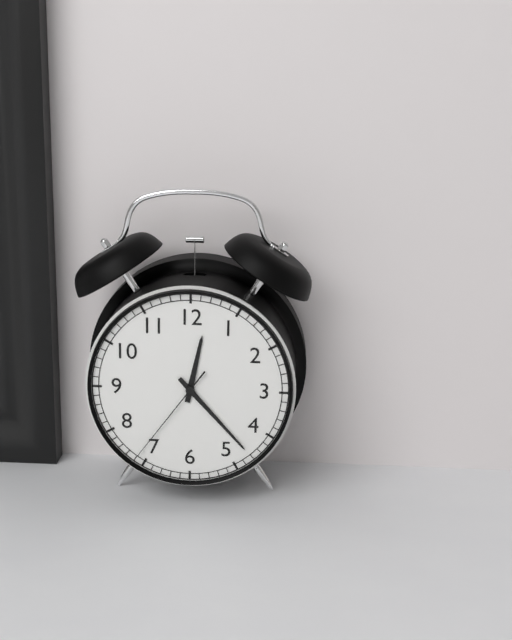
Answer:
h=12 m=23 s=36
